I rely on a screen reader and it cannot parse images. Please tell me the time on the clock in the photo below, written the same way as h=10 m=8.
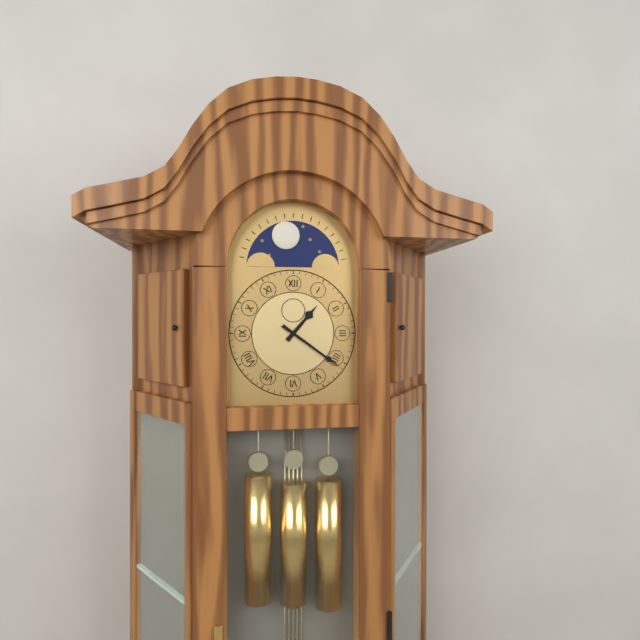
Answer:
h=1 m=21
